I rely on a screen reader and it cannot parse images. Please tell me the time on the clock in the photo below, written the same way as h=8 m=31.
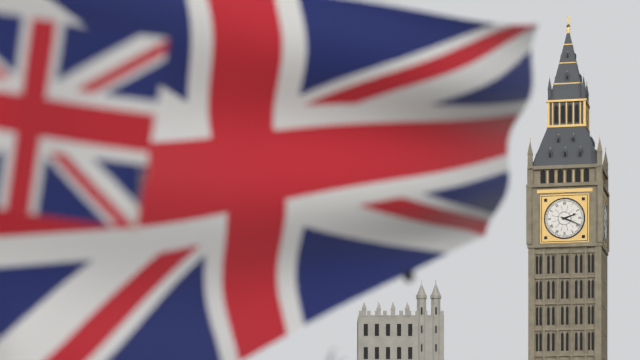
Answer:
h=2 m=19
